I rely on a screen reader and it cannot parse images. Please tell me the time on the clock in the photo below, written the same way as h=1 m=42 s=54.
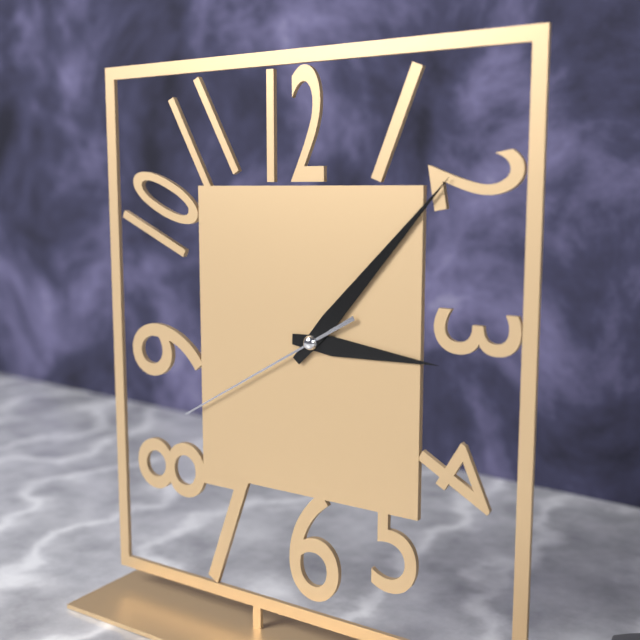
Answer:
h=3 m=7 s=40
